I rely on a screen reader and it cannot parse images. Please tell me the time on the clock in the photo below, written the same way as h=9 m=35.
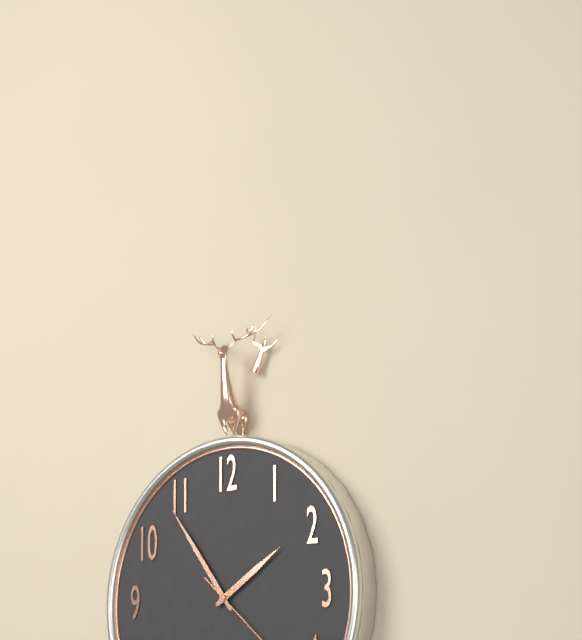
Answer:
h=1 m=54
